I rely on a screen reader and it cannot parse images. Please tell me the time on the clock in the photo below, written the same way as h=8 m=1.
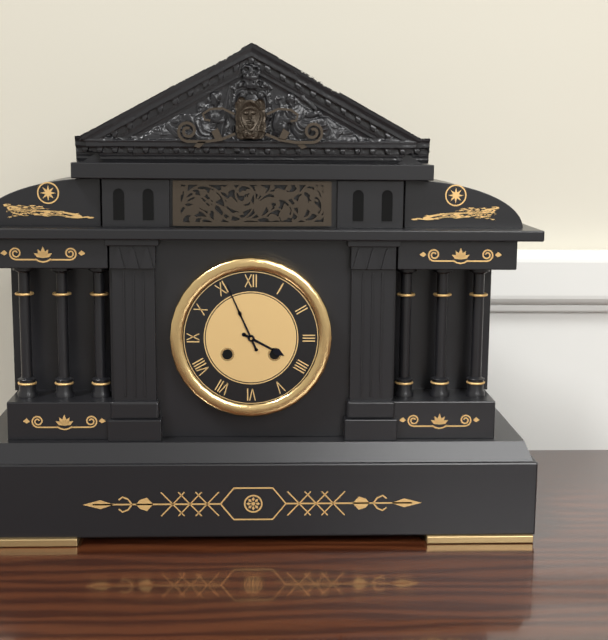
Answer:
h=3 m=56
